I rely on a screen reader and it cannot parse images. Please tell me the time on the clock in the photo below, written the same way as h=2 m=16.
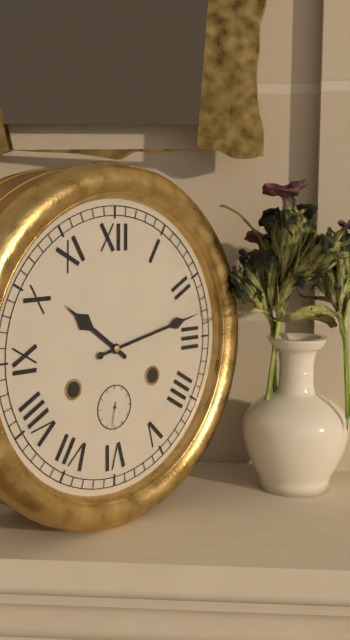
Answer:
h=10 m=13
